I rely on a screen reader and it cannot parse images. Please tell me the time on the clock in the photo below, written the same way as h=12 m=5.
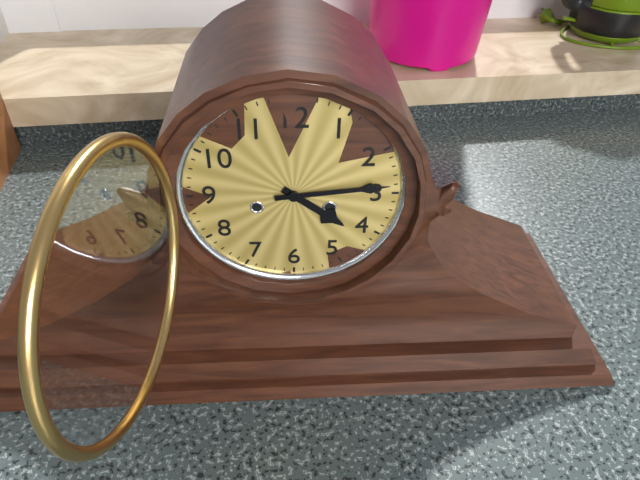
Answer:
h=4 m=14
